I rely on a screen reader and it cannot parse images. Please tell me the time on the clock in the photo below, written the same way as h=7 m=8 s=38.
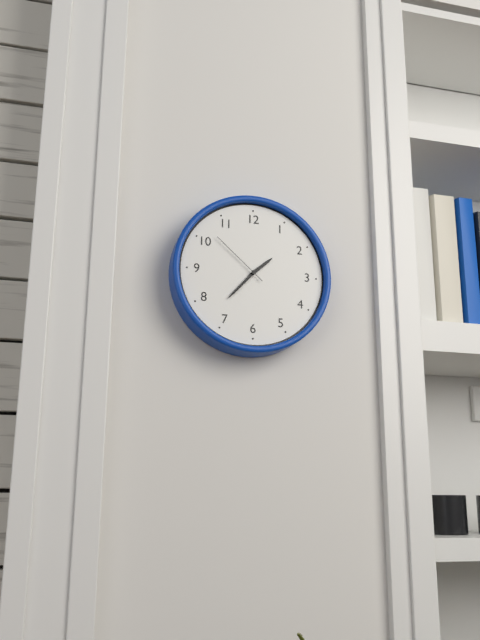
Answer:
h=1 m=37 s=52
